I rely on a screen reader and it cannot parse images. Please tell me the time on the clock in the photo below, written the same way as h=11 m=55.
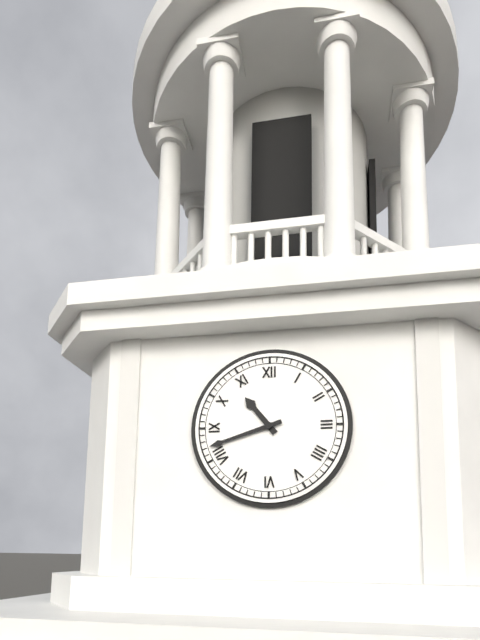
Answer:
h=10 m=42
